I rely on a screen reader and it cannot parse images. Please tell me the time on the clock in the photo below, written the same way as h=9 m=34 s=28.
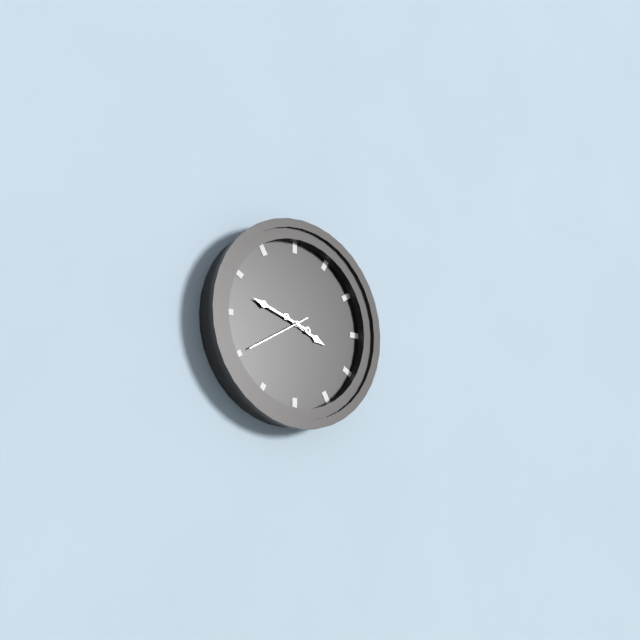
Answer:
h=3 m=48 s=40
